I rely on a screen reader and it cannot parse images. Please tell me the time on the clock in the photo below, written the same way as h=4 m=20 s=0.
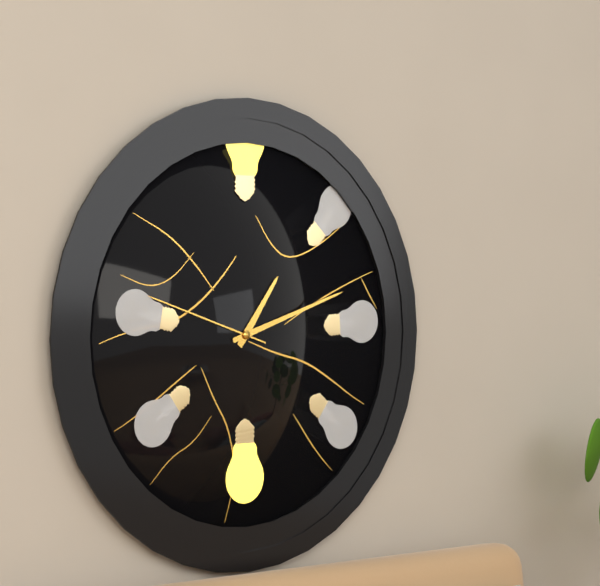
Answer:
h=1 m=12 s=48
